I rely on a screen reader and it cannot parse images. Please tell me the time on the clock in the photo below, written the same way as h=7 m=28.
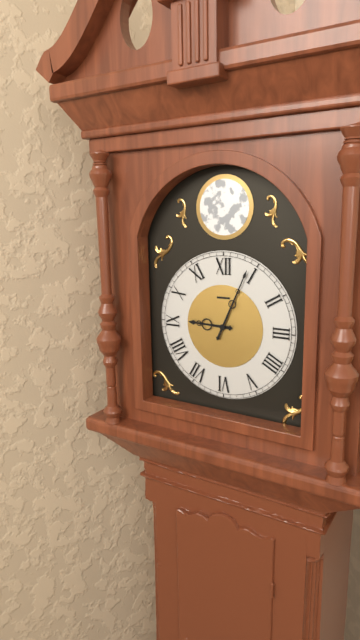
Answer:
h=9 m=4
